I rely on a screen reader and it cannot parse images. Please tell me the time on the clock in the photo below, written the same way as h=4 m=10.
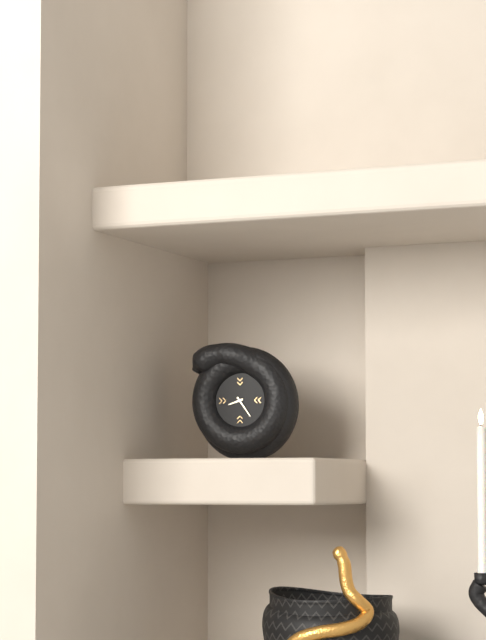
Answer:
h=8 m=24
